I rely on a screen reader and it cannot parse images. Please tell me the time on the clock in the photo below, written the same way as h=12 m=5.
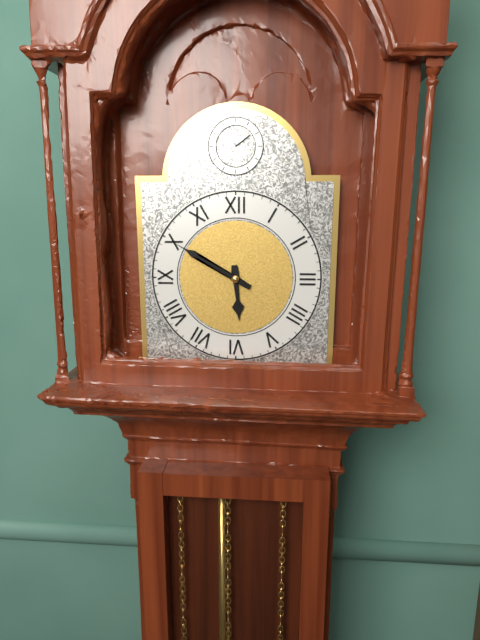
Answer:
h=5 m=50
